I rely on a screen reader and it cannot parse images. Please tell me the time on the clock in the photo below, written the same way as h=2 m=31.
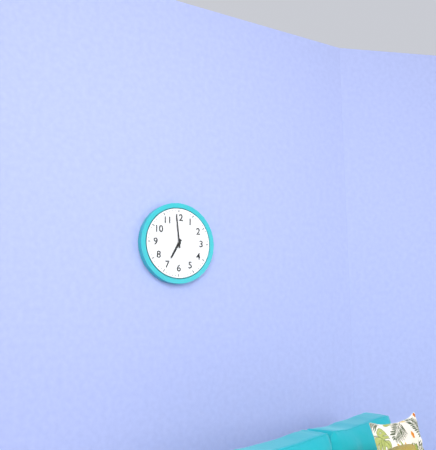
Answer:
h=6 m=59
